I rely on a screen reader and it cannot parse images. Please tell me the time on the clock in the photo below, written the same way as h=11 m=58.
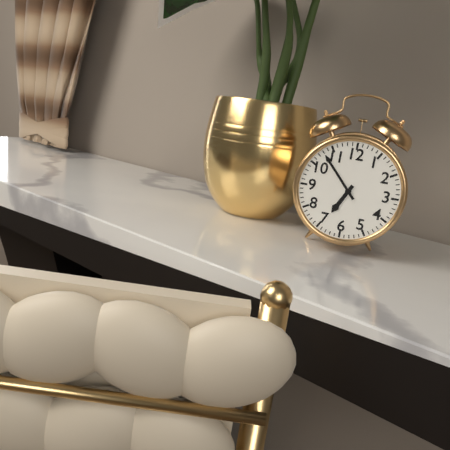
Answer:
h=6 m=53
